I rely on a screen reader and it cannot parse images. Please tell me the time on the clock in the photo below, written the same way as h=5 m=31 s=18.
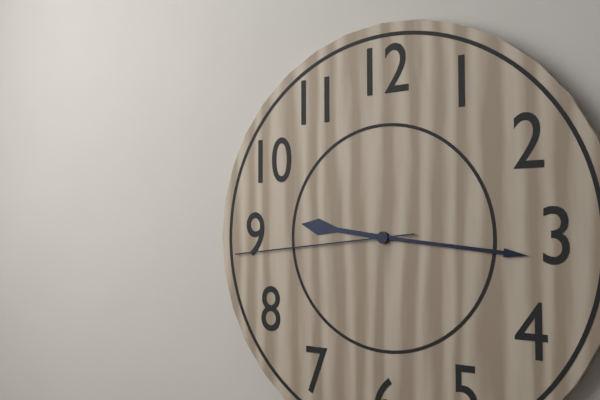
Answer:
h=9 m=16 s=44
